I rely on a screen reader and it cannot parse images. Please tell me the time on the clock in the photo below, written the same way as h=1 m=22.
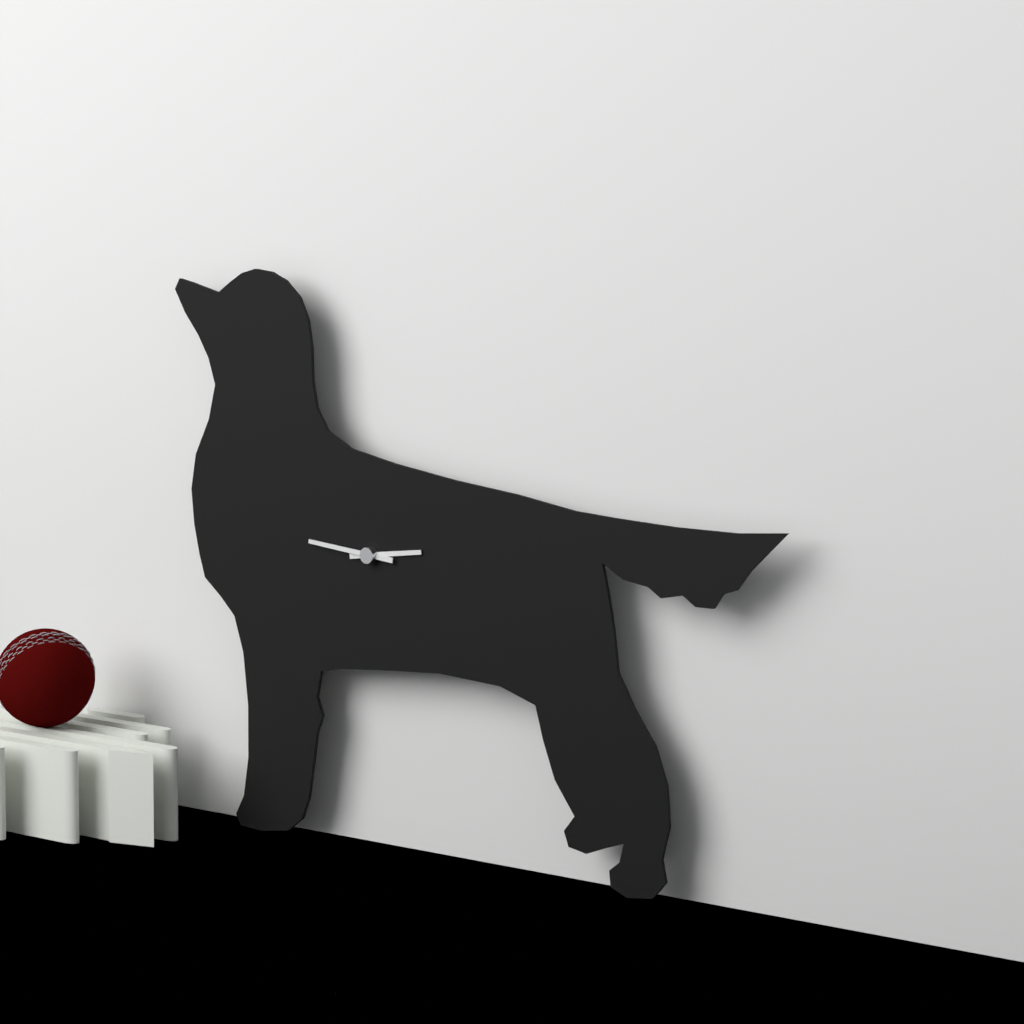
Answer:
h=2 m=46
